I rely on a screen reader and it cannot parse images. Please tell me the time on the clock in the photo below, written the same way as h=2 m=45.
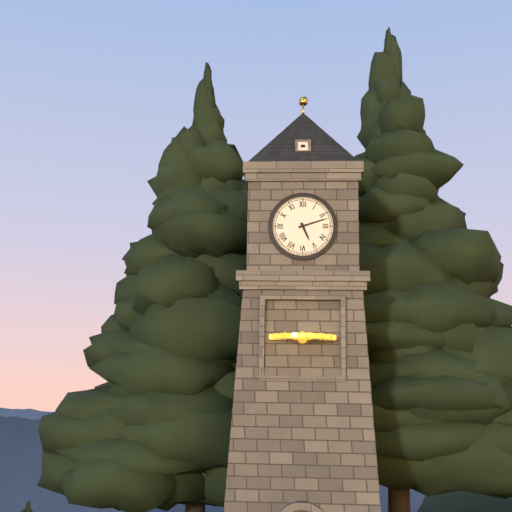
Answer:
h=5 m=12
